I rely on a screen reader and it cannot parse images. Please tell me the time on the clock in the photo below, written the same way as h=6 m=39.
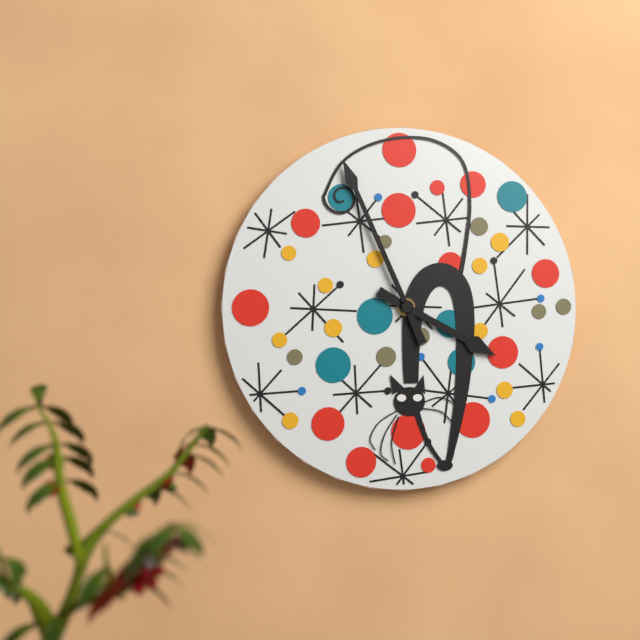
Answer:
h=3 m=56
